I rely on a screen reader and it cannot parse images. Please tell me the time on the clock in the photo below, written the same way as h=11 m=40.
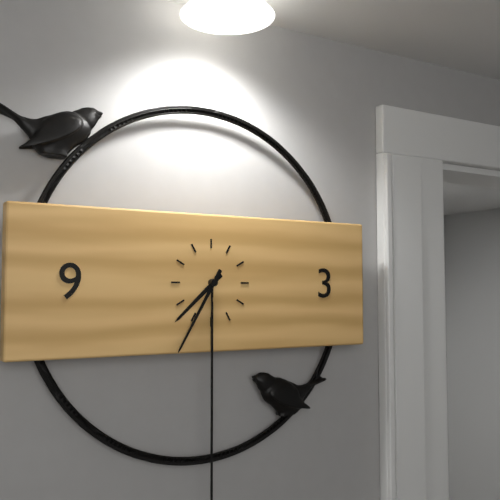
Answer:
h=7 m=35
